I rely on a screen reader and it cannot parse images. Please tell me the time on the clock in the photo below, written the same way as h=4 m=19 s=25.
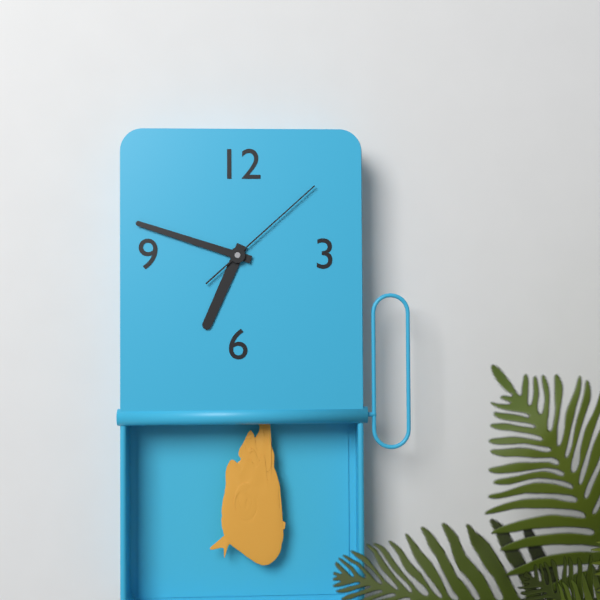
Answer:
h=6 m=48 s=8
